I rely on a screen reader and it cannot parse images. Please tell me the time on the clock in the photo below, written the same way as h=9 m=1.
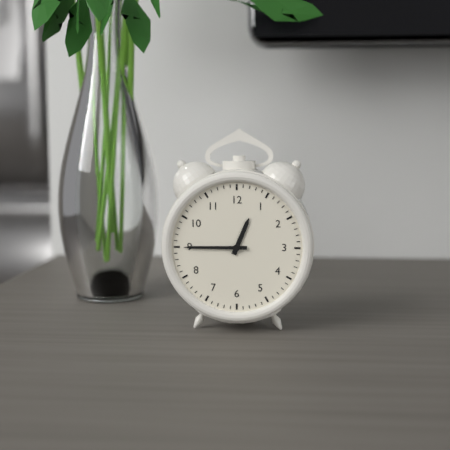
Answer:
h=12 m=45
